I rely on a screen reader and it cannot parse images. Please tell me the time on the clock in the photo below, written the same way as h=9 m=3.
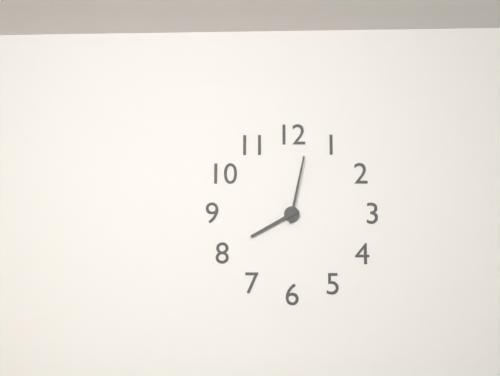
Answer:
h=8 m=2
